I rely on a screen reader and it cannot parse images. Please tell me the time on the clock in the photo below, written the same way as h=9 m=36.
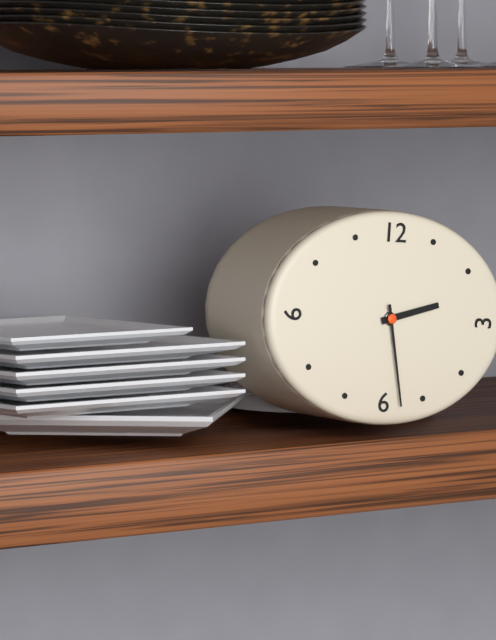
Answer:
h=2 m=28
